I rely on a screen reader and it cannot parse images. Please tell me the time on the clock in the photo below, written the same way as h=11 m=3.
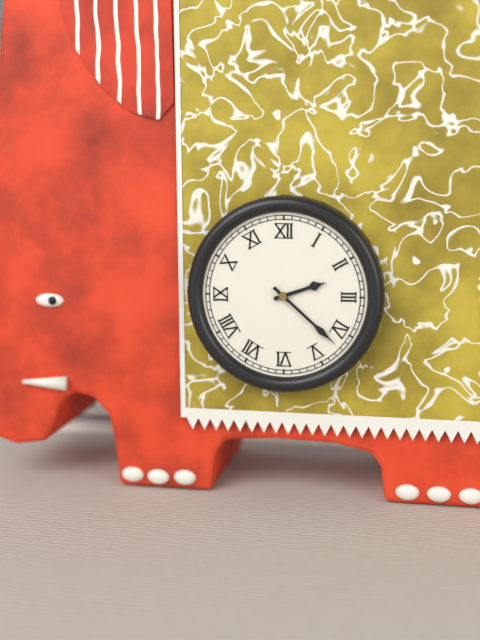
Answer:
h=2 m=22
